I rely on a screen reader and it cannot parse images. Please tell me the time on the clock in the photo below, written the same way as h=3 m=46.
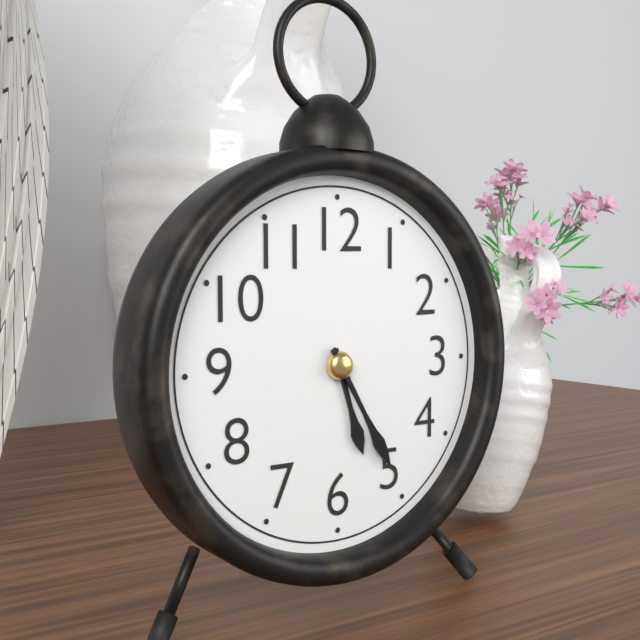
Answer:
h=5 m=25
